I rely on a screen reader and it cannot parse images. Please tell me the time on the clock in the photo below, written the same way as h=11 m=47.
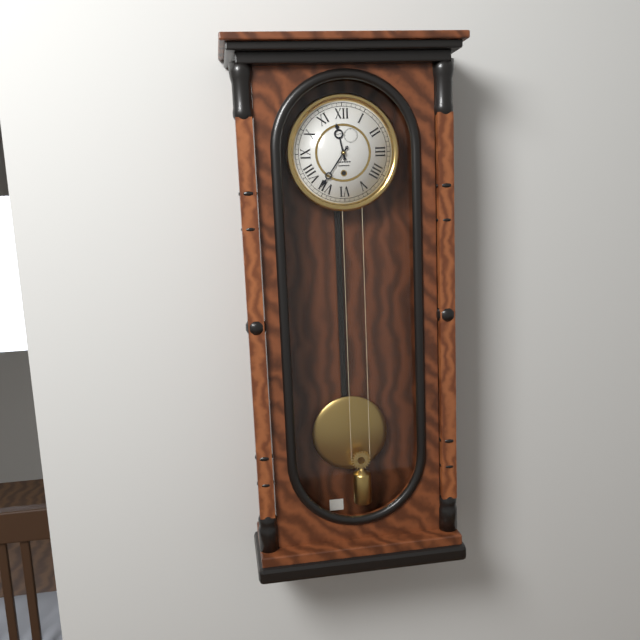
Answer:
h=11 m=36
